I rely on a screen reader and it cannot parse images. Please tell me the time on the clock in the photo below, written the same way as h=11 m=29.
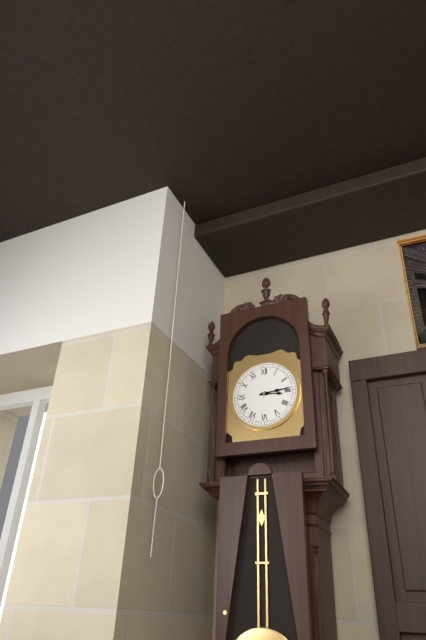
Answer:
h=3 m=14
